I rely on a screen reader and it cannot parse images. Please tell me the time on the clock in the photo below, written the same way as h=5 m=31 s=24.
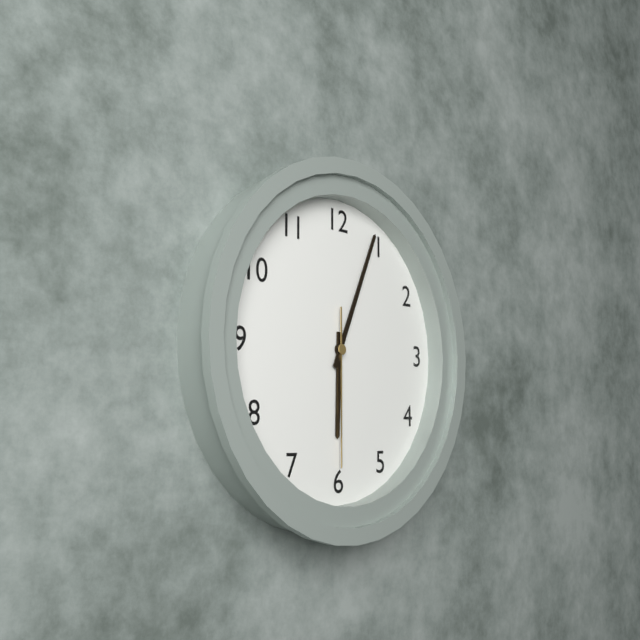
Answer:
h=6 m=4 s=30
